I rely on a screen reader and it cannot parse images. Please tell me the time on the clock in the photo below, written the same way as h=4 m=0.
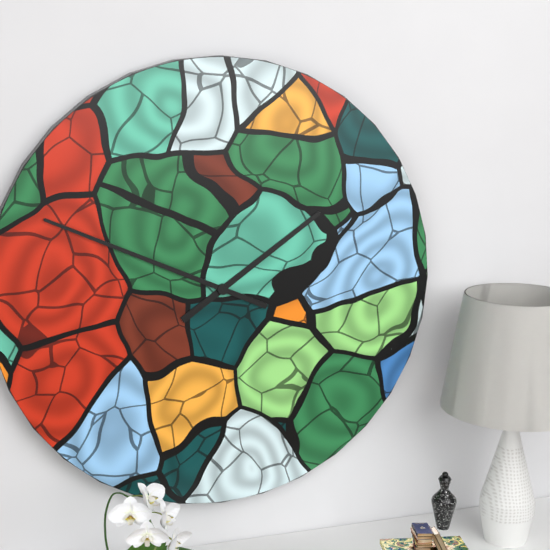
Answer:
h=1 m=49
